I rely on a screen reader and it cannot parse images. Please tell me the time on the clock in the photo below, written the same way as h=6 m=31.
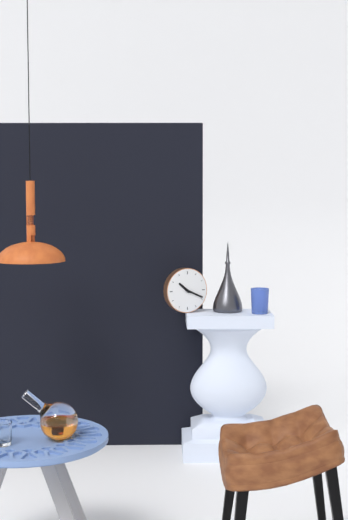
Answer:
h=10 m=19
